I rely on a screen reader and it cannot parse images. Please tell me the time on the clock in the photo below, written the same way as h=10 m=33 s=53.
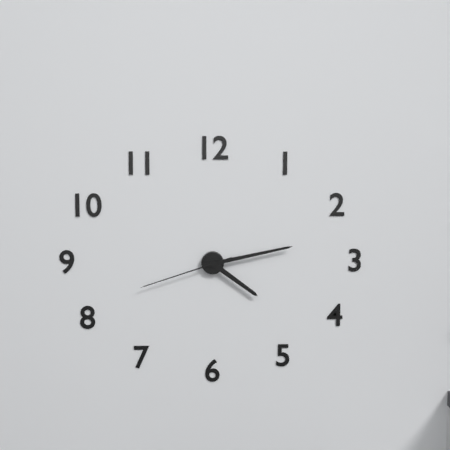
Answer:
h=4 m=13 s=42
